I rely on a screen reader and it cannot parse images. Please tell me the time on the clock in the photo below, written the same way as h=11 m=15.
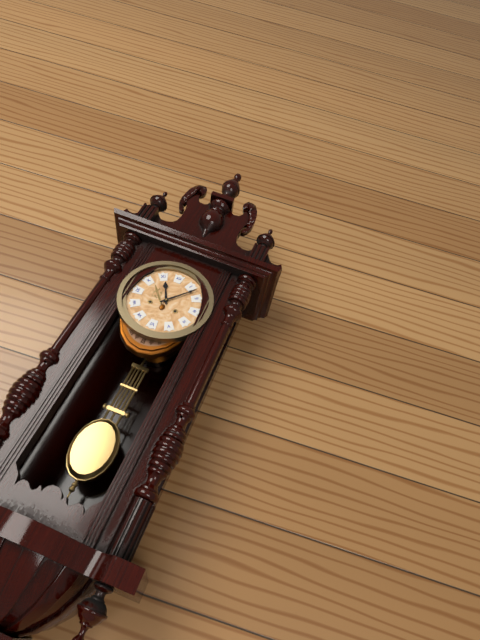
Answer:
h=11 m=7
